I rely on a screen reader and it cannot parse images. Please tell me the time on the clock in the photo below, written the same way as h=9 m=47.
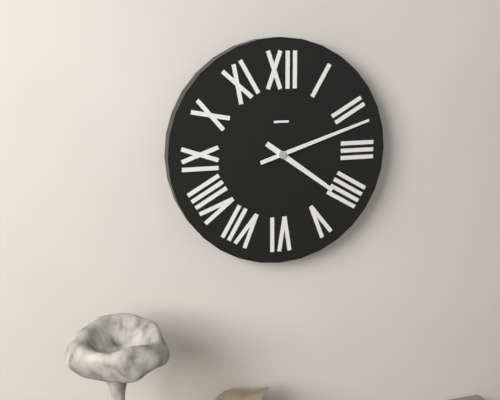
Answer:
h=4 m=12
